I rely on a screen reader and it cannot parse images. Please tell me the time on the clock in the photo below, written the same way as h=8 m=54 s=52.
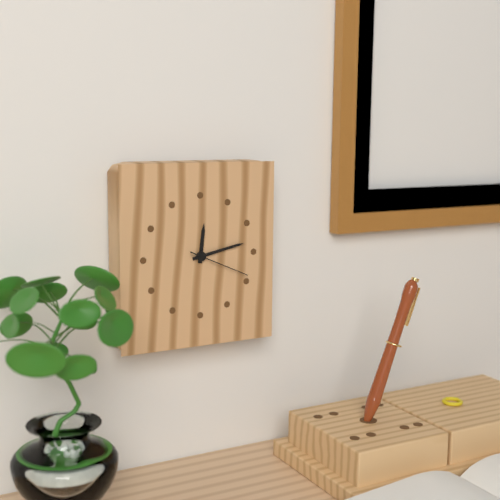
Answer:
h=12 m=13 s=19
